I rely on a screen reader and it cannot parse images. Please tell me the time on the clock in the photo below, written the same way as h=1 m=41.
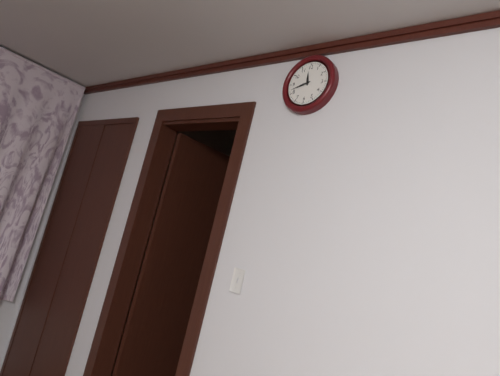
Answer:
h=11 m=42
